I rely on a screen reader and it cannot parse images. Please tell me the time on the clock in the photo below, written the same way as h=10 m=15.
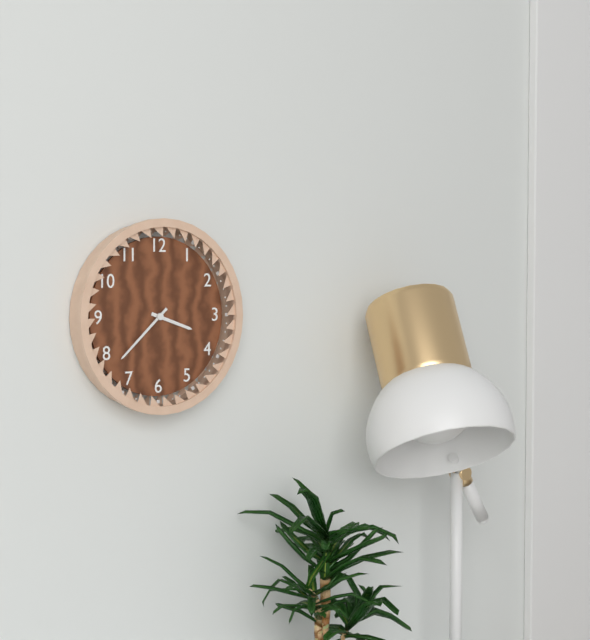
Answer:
h=3 m=38
